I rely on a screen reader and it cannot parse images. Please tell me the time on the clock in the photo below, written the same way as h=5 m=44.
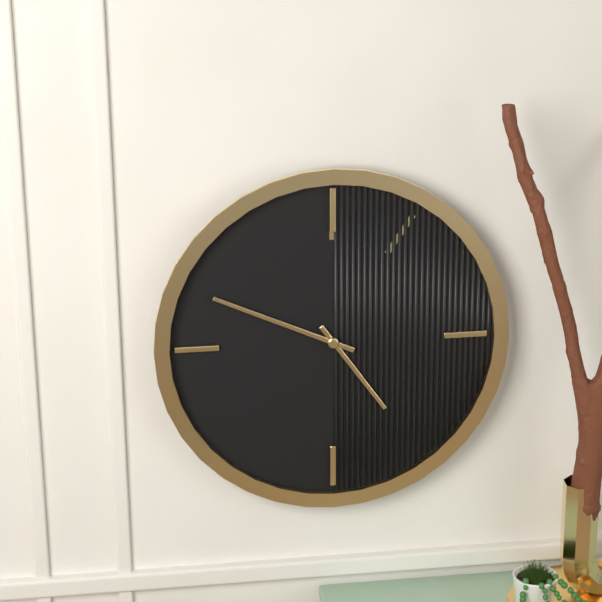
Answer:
h=4 m=49
